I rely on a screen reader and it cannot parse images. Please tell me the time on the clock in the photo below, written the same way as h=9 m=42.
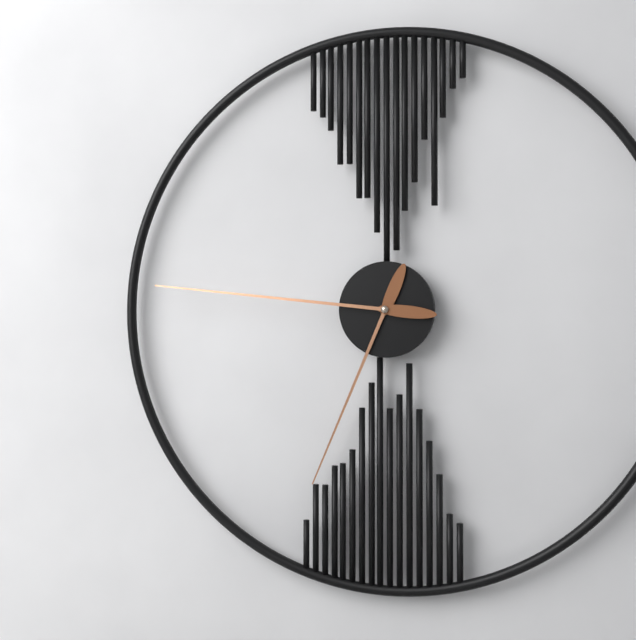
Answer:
h=6 m=46
